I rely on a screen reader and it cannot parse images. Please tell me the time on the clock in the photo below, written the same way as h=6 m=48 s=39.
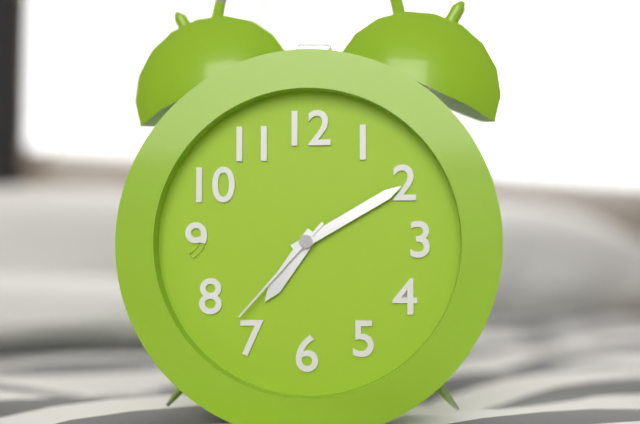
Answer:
h=7 m=10 s=37
